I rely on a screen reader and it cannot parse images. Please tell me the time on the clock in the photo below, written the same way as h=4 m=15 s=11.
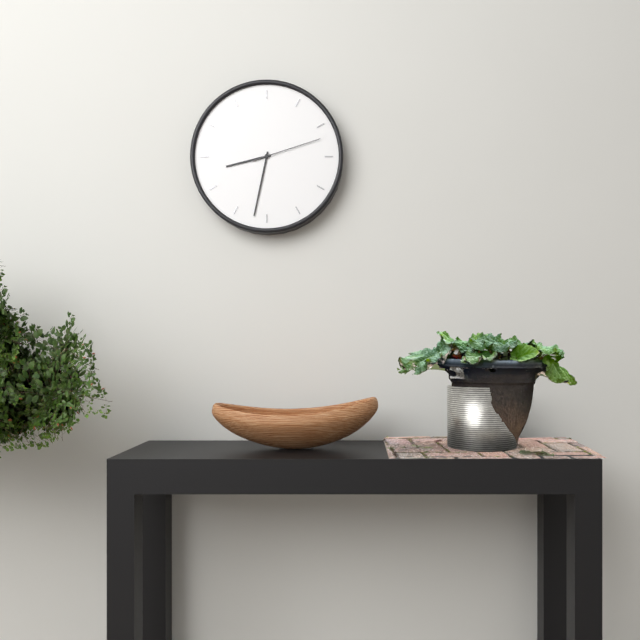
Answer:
h=8 m=32 s=12
